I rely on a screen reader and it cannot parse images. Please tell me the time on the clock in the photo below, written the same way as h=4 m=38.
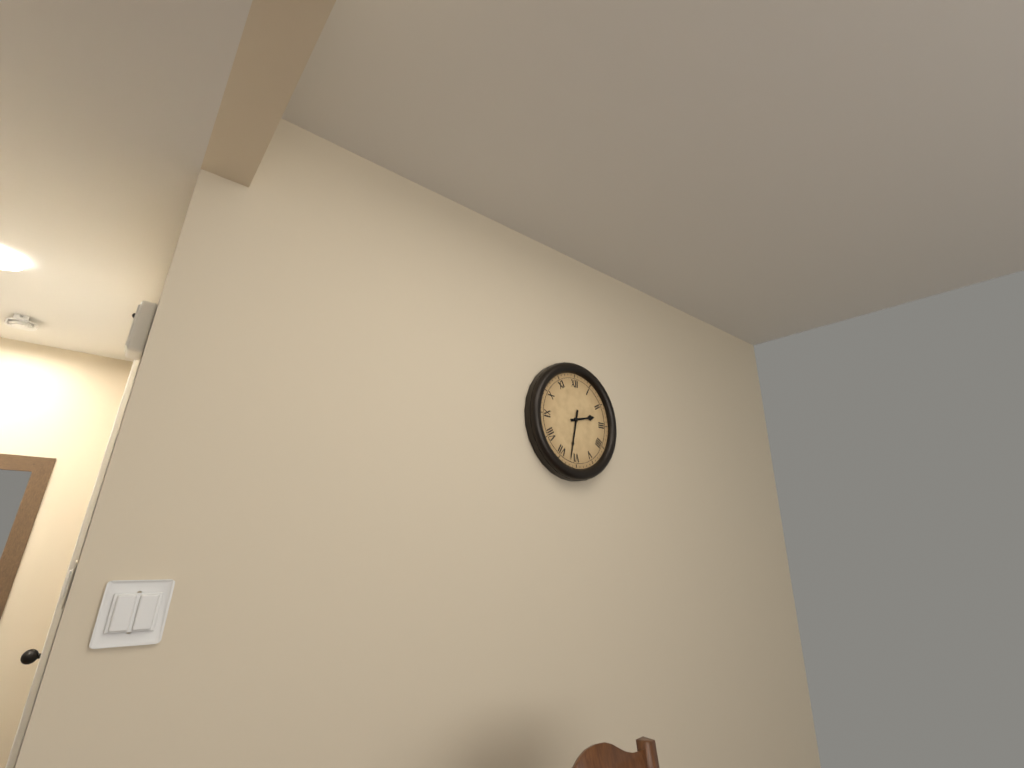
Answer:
h=2 m=32
